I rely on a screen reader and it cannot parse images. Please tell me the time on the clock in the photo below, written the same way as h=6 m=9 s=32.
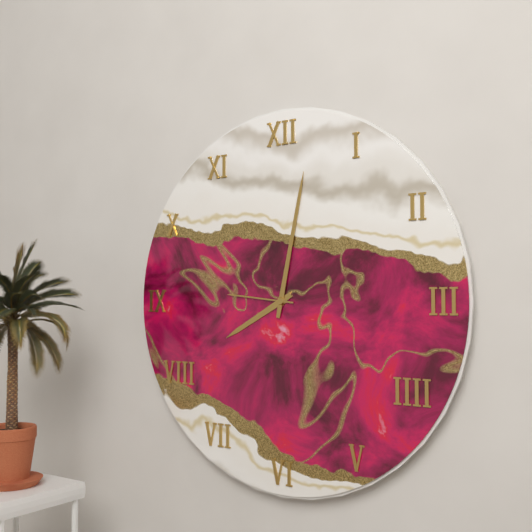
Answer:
h=8 m=2 s=46
